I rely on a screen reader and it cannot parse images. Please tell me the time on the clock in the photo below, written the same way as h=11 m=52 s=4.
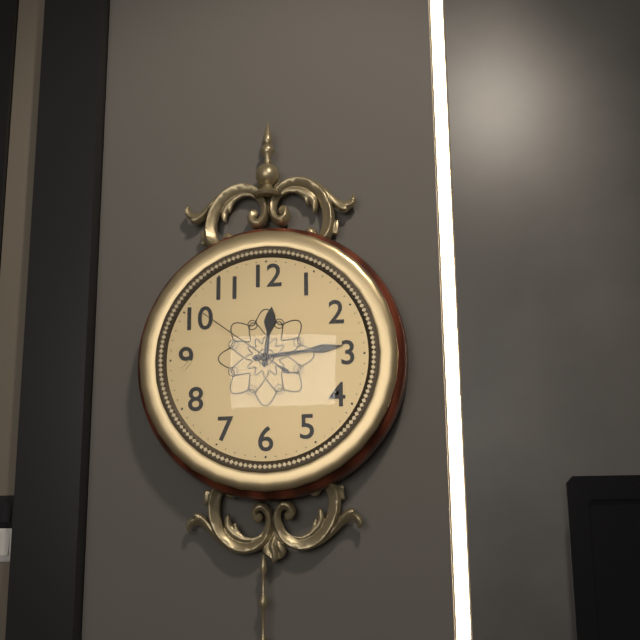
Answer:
h=12 m=14 s=51
